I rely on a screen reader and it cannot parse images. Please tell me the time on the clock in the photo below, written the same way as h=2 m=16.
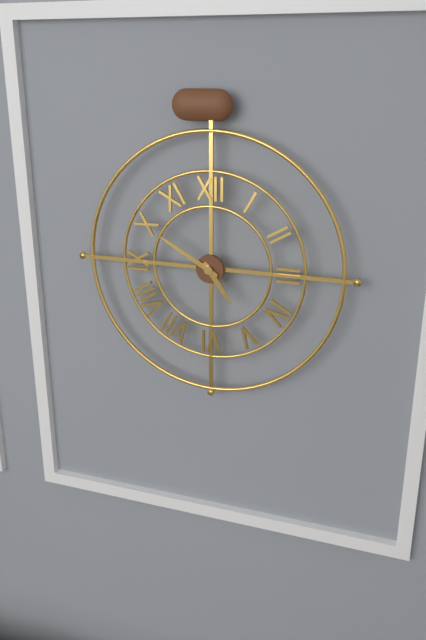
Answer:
h=4 m=50
